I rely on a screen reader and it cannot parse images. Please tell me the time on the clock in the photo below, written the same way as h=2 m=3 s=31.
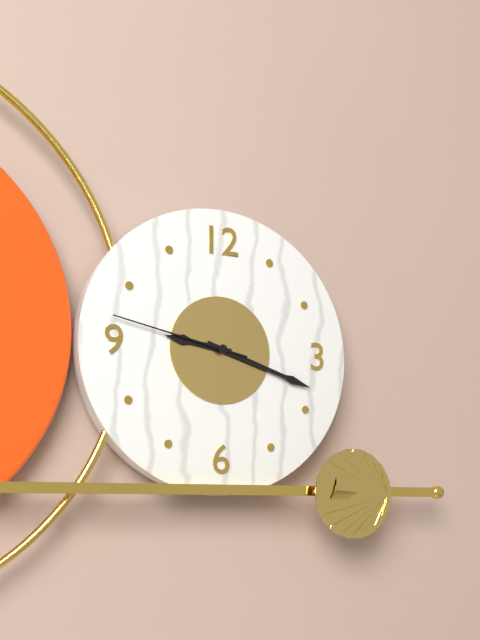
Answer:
h=9 m=18 s=47
